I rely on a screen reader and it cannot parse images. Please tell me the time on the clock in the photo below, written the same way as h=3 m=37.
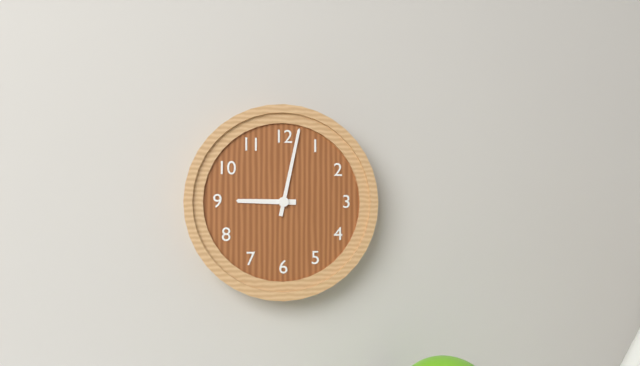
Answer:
h=9 m=2
